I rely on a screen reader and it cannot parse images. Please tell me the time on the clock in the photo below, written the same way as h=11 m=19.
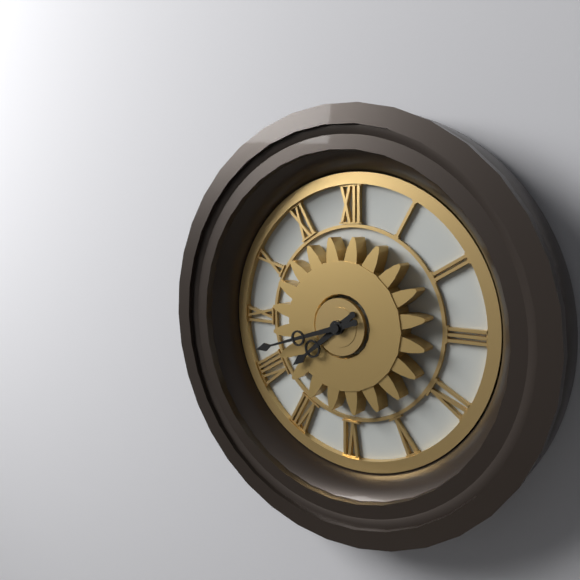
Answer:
h=7 m=42
